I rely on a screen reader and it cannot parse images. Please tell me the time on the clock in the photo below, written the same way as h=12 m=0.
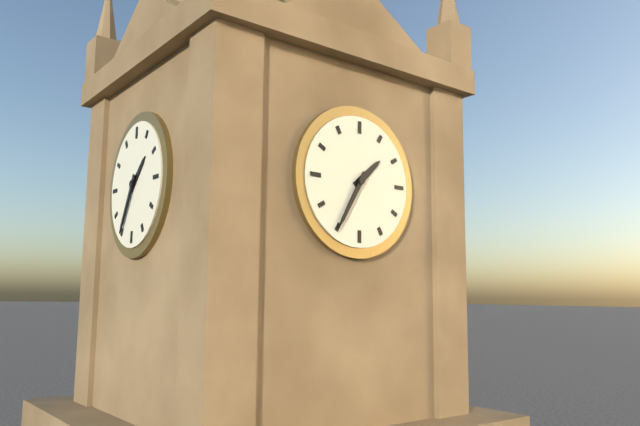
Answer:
h=1 m=35
